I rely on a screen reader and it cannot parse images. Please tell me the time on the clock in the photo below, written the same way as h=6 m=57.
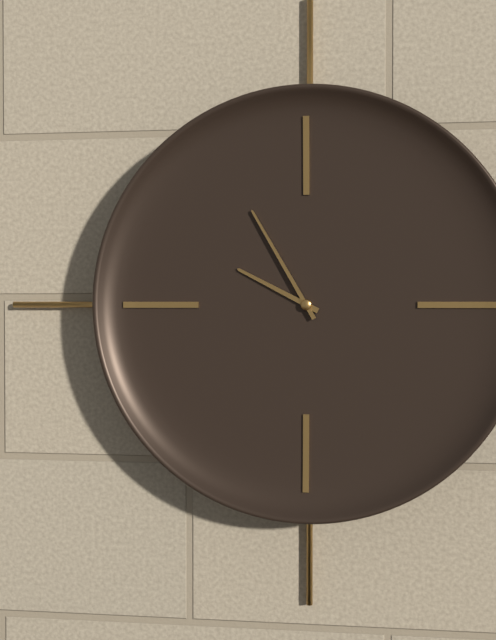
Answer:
h=9 m=55
